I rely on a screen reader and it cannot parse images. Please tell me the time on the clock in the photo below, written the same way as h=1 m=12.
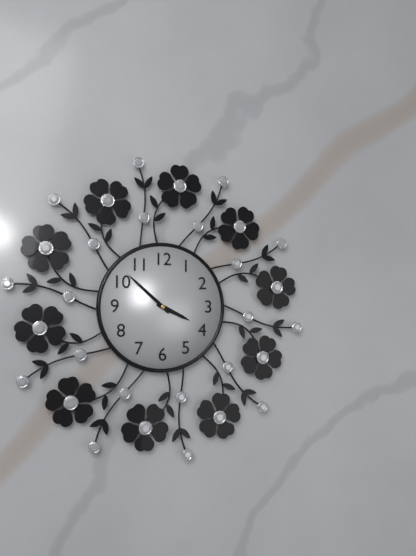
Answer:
h=3 m=52
